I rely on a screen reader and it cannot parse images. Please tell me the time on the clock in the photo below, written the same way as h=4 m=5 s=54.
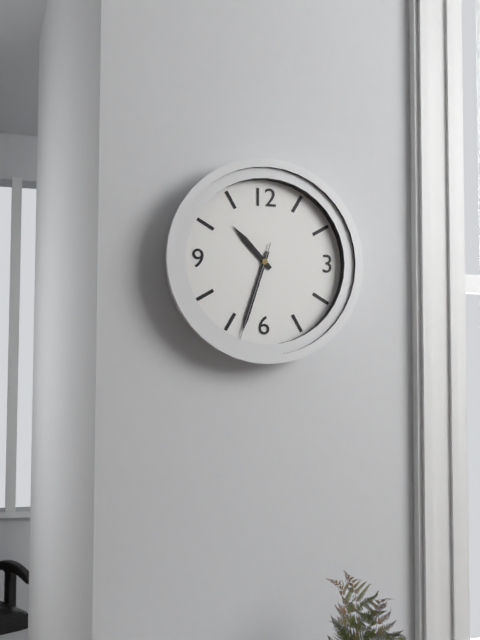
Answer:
h=10 m=33 s=33
